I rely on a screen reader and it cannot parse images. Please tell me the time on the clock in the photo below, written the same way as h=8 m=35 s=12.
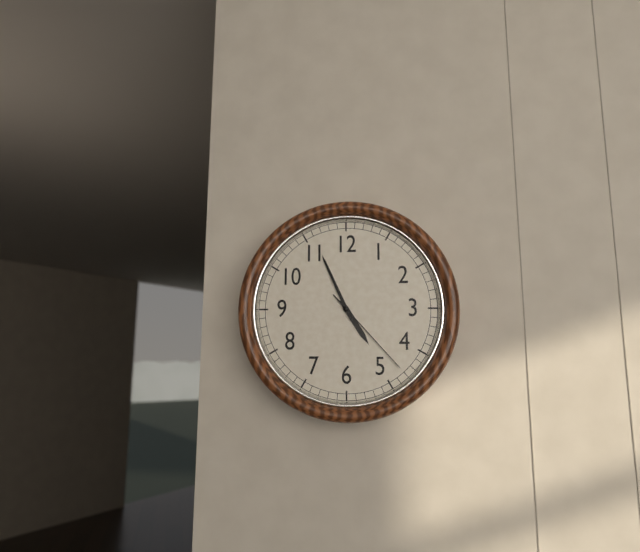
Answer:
h=4 m=56 s=23
